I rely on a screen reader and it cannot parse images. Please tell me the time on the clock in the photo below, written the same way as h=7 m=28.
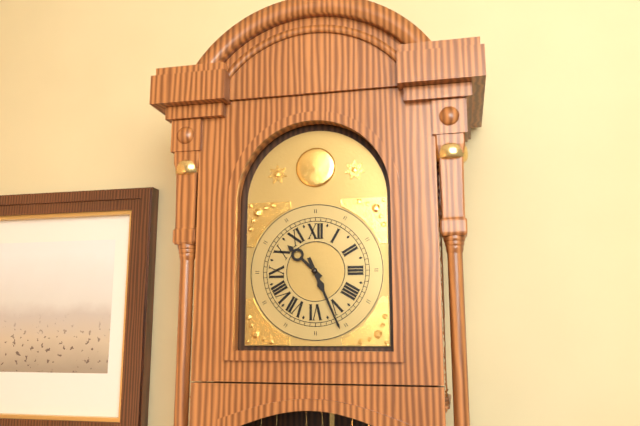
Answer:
h=10 m=26
